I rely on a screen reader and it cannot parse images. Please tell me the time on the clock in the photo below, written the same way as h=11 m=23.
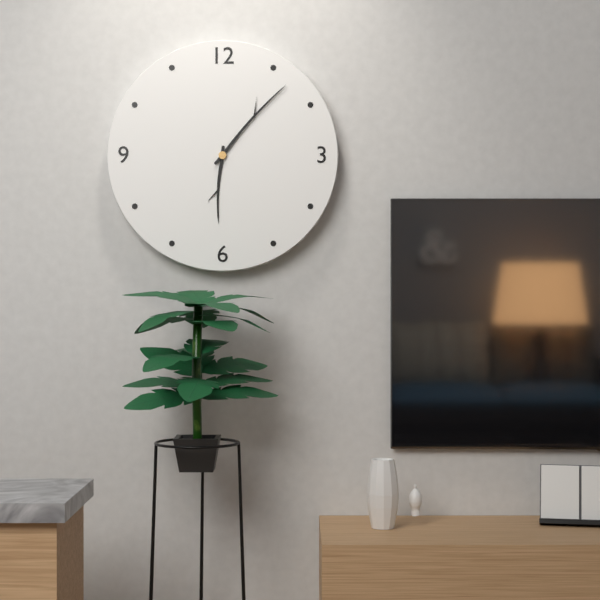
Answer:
h=6 m=7
